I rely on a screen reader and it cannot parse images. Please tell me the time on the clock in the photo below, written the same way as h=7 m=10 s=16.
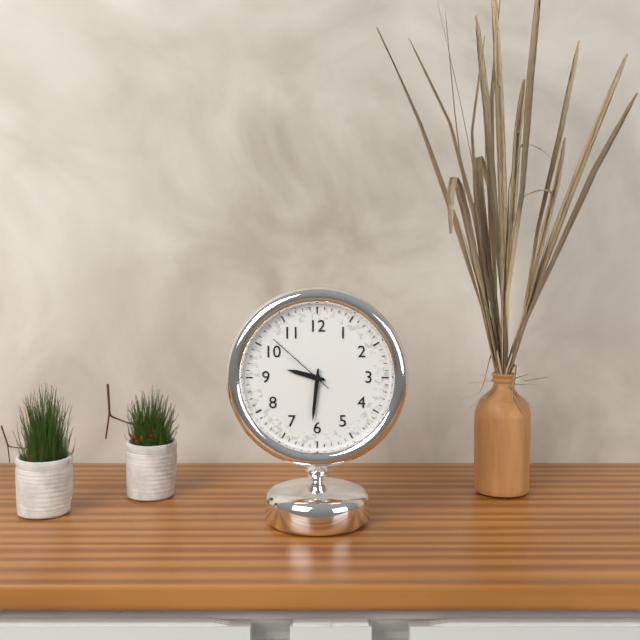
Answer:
h=9 m=31 s=52
